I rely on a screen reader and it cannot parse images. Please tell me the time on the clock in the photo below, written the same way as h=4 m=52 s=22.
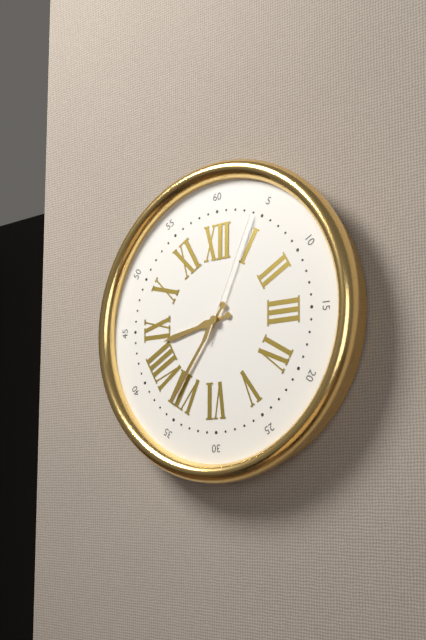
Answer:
h=8 m=36 s=4
